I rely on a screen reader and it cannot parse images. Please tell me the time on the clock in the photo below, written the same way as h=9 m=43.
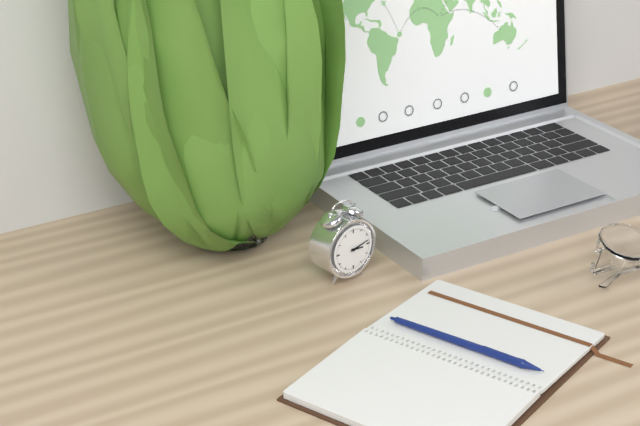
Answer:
h=3 m=13
